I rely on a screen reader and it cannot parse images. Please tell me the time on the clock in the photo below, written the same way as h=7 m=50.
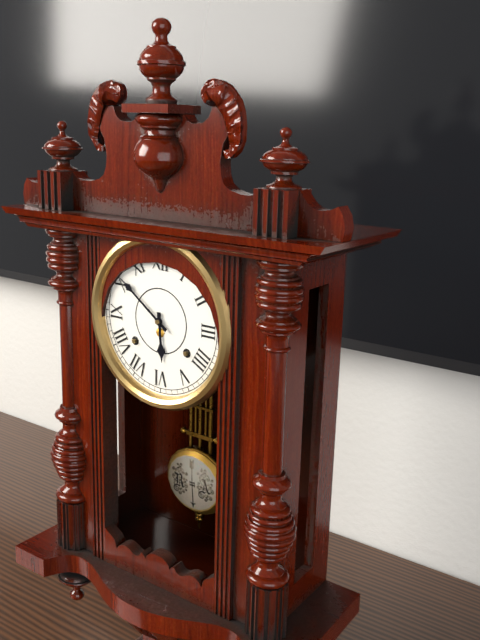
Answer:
h=5 m=51
